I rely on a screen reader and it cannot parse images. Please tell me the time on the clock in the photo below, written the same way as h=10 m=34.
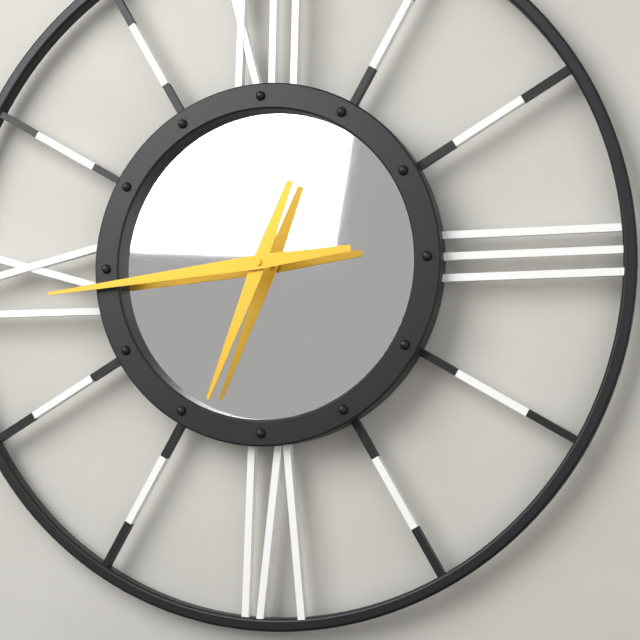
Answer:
h=6 m=44
